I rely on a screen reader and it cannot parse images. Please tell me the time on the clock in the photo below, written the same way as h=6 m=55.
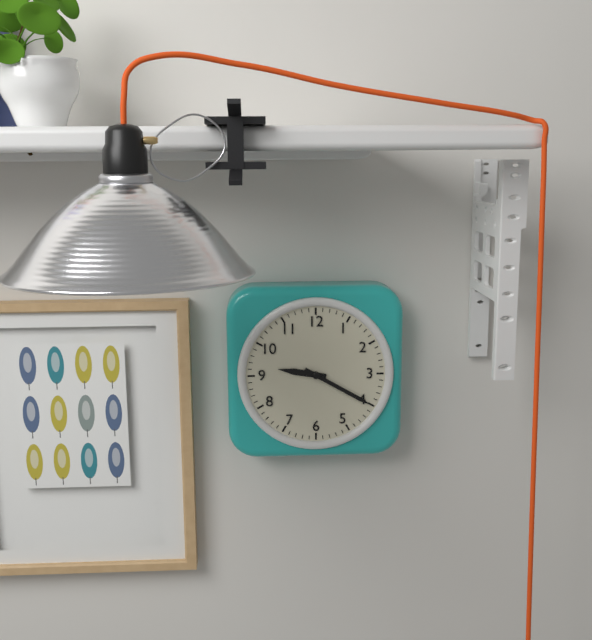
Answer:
h=9 m=20
